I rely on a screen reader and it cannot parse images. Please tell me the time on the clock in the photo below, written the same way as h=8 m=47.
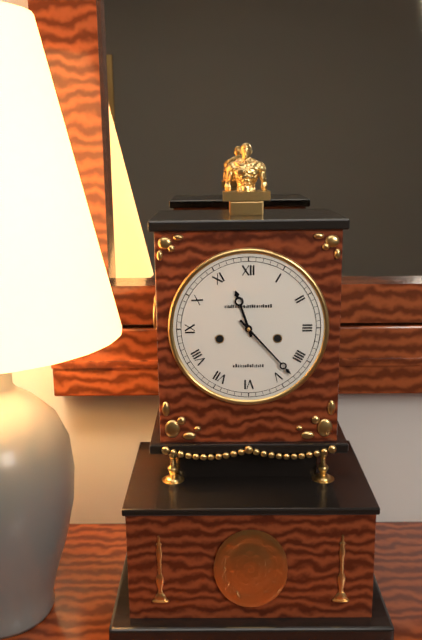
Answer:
h=11 m=23
